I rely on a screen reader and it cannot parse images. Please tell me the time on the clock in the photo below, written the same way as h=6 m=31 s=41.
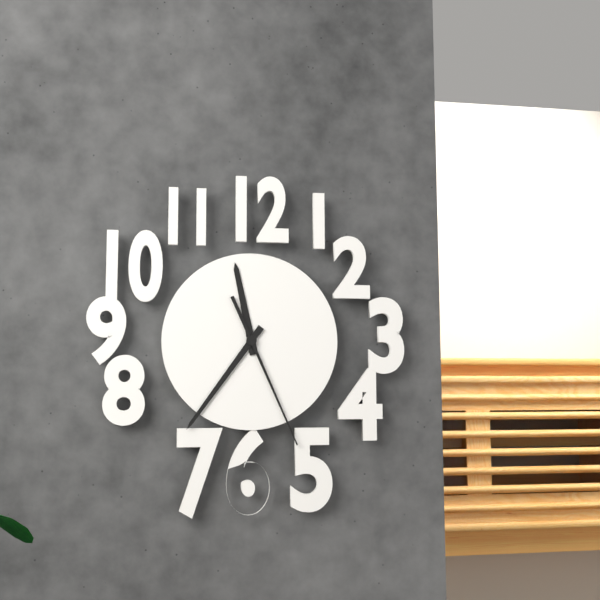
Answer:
h=11 m=36 s=26
